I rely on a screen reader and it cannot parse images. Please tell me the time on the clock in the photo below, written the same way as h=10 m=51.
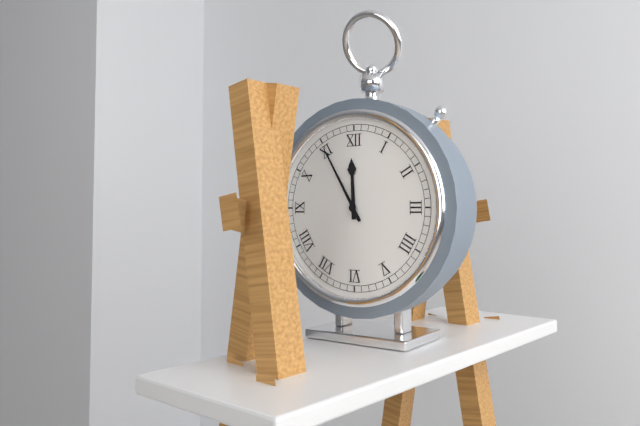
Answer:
h=11 m=55
